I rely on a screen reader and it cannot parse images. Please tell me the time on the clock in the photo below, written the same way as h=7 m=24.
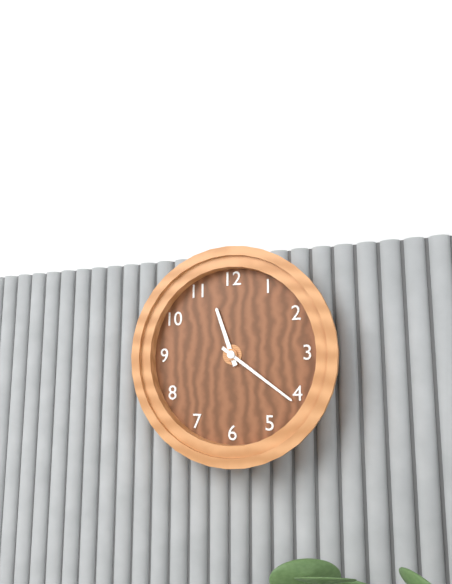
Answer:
h=11 m=21
